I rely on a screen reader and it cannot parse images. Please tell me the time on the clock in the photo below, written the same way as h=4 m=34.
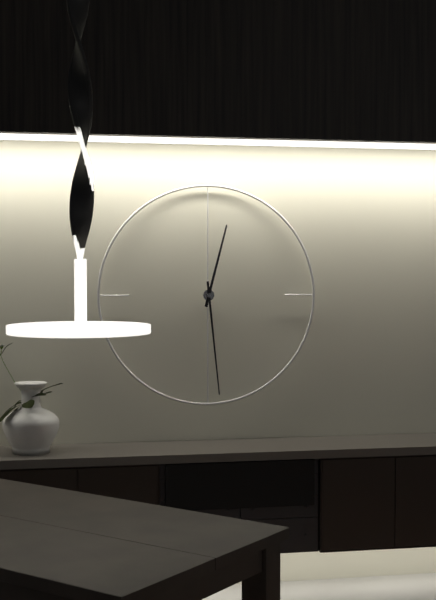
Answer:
h=12 m=29
